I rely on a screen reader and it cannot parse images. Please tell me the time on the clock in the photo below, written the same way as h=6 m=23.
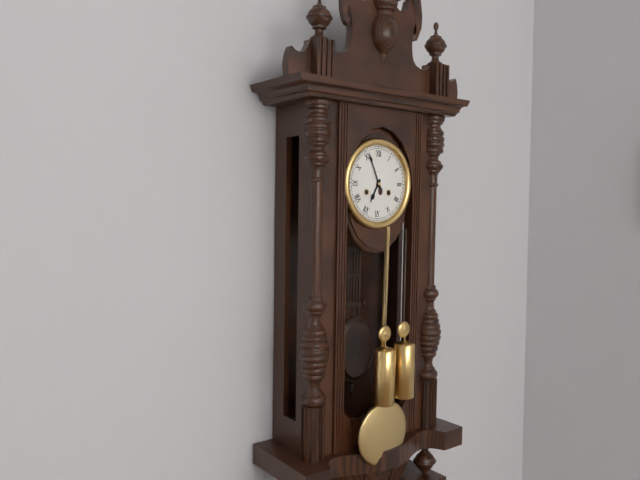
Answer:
h=6 m=56
